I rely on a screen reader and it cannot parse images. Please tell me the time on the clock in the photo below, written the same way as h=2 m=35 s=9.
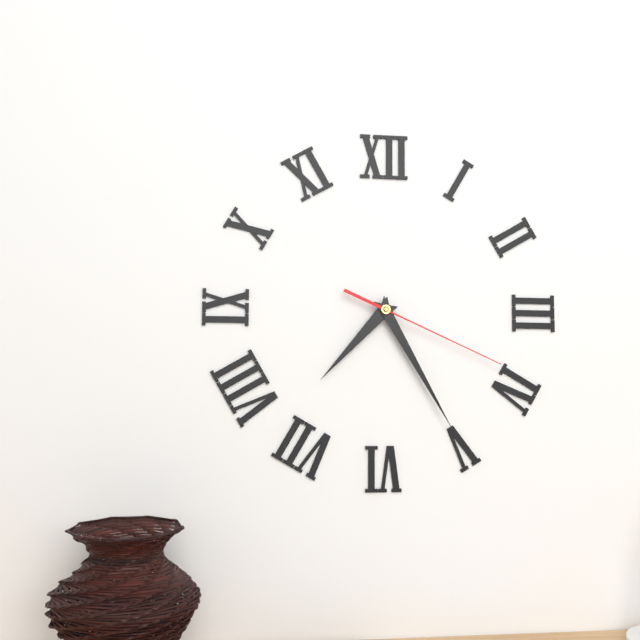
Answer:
h=7 m=25 s=19
